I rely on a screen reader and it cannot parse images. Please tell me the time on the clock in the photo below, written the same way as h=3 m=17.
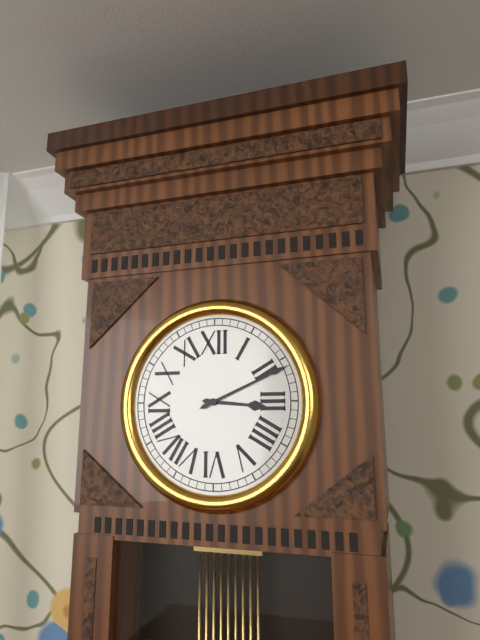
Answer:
h=3 m=11
